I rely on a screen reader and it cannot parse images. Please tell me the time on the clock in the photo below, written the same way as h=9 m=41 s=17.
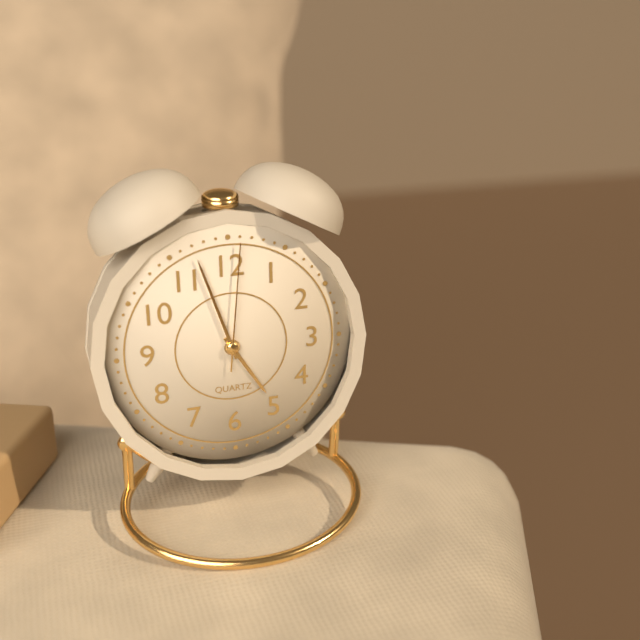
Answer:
h=4 m=57 s=1
